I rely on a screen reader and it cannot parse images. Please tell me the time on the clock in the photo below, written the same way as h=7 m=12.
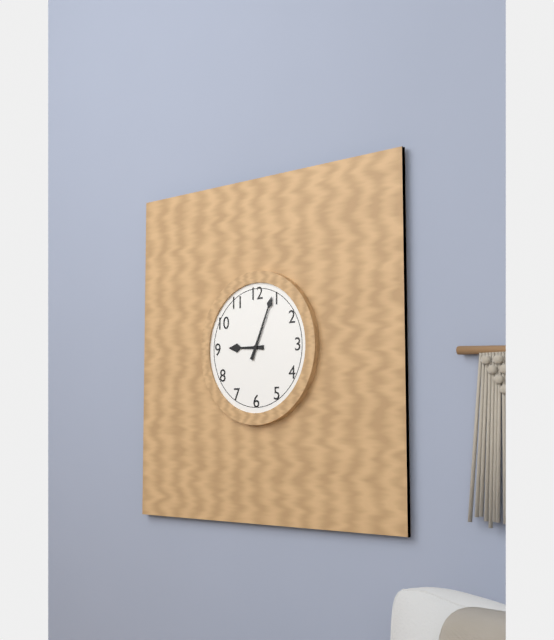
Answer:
h=9 m=4
